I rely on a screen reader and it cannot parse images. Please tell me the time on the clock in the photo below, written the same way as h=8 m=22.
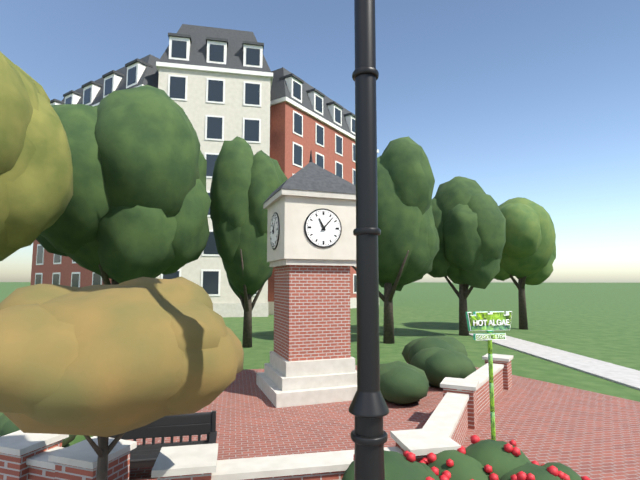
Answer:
h=11 m=7
